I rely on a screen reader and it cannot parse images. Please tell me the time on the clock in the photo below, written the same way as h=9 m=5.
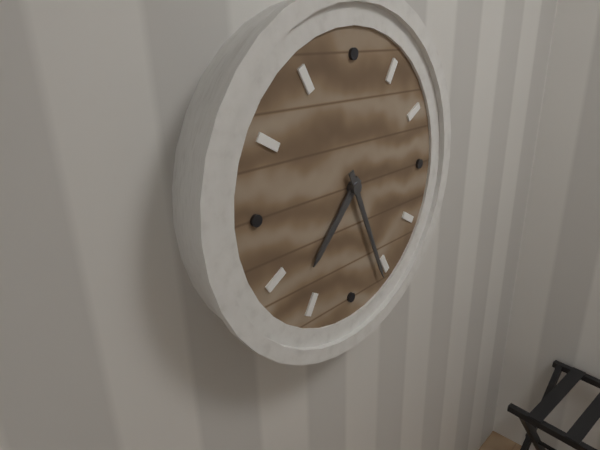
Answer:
h=7 m=26
